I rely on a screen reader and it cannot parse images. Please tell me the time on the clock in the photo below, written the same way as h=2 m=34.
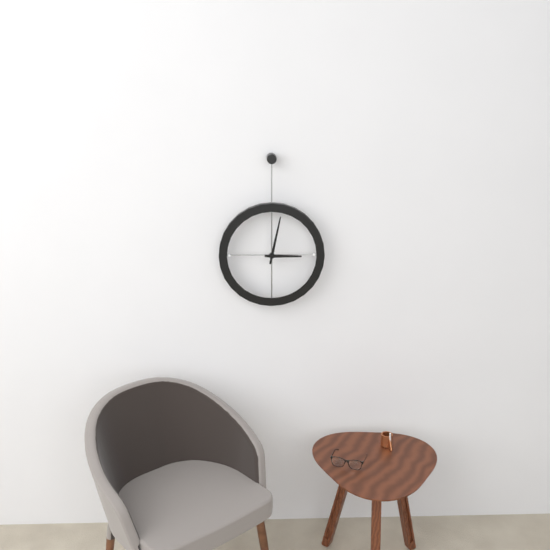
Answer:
h=3 m=2
